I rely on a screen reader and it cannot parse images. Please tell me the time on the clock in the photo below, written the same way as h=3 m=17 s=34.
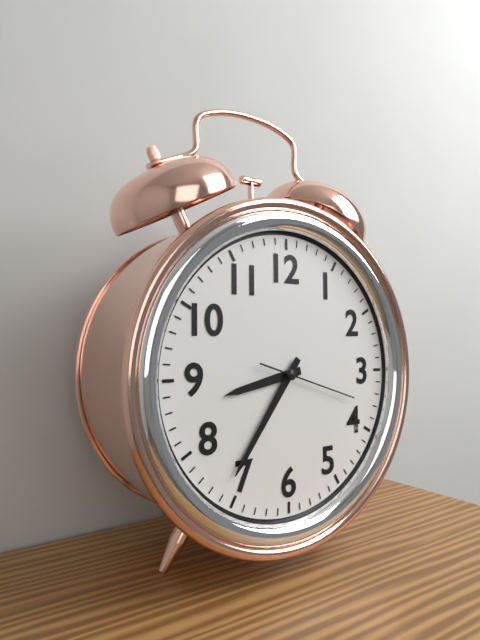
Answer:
h=8 m=36 s=18
